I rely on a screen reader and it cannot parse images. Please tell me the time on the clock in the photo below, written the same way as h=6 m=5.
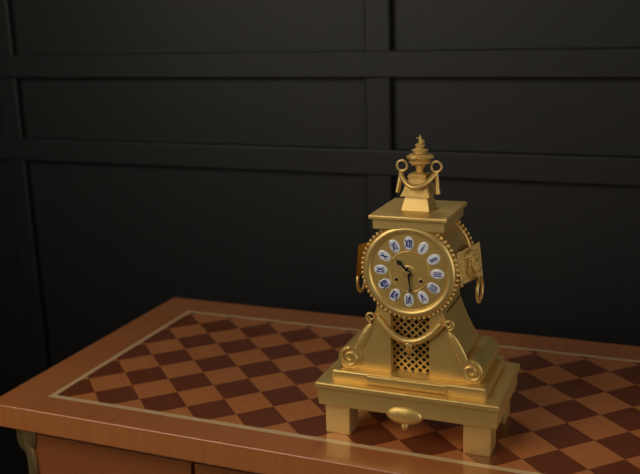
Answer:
h=10 m=29
